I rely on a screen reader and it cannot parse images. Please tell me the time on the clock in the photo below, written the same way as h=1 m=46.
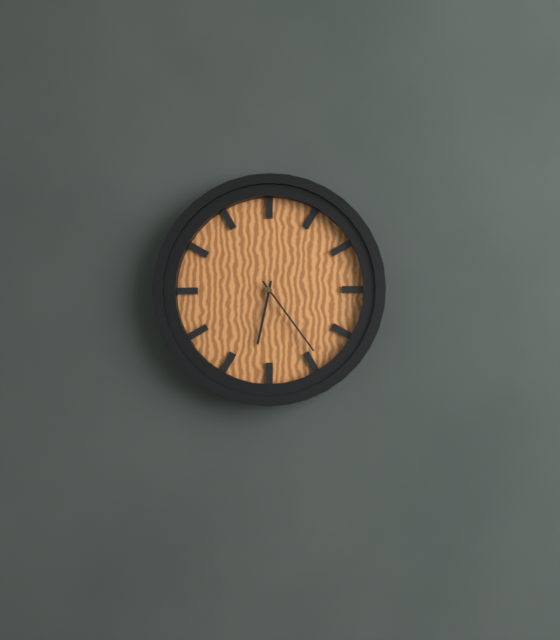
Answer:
h=6 m=24
